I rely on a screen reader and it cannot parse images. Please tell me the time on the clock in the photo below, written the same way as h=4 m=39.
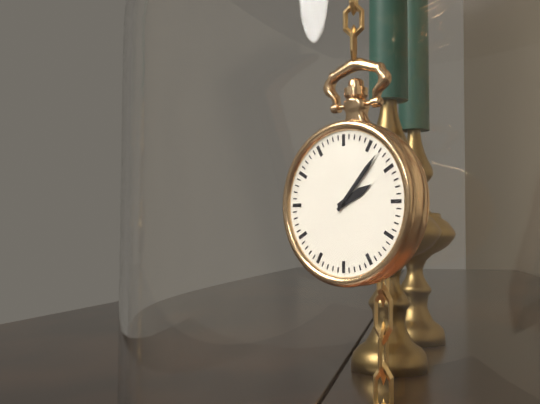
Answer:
h=2 m=7
